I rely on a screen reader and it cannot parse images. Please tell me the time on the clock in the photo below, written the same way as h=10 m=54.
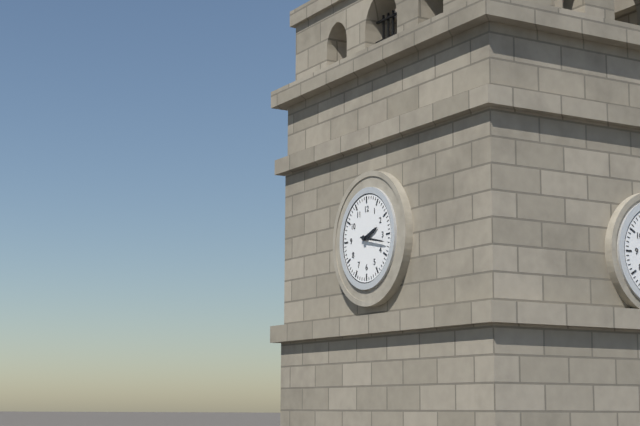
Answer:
h=2 m=17
